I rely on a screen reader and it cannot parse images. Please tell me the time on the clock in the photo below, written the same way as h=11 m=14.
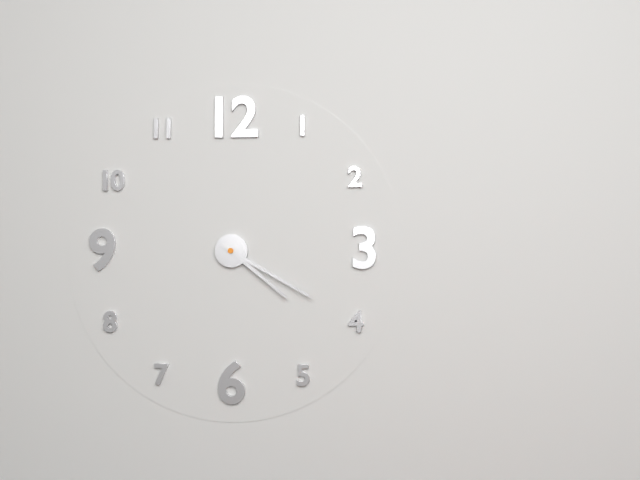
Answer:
h=4 m=20
